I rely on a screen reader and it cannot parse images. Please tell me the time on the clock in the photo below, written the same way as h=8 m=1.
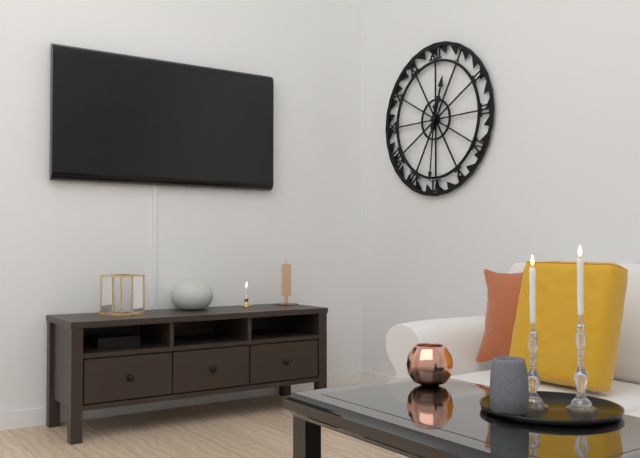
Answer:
h=12 m=31
